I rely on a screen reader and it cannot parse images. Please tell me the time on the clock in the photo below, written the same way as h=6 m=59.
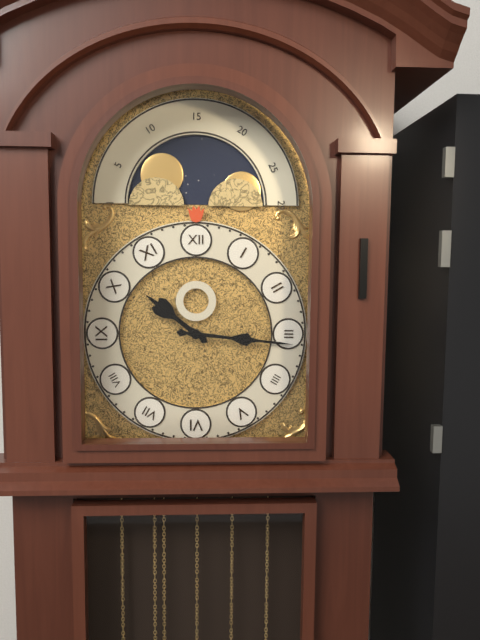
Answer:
h=10 m=16
